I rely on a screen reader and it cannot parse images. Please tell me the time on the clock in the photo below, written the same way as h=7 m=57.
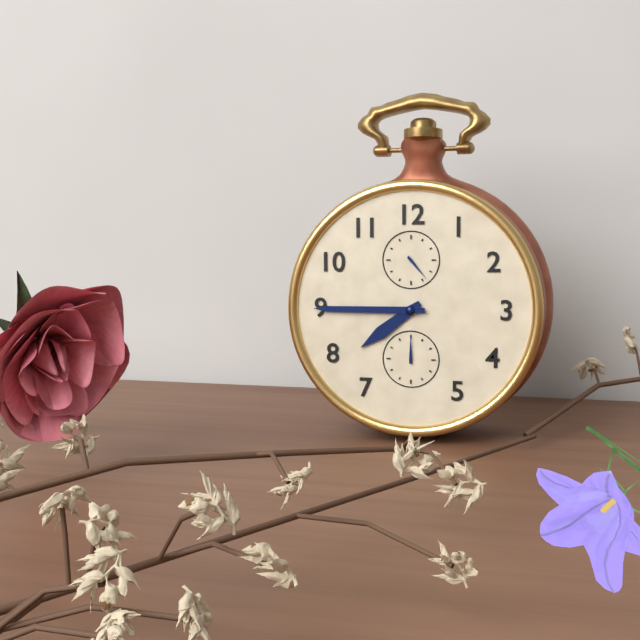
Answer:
h=7 m=45
